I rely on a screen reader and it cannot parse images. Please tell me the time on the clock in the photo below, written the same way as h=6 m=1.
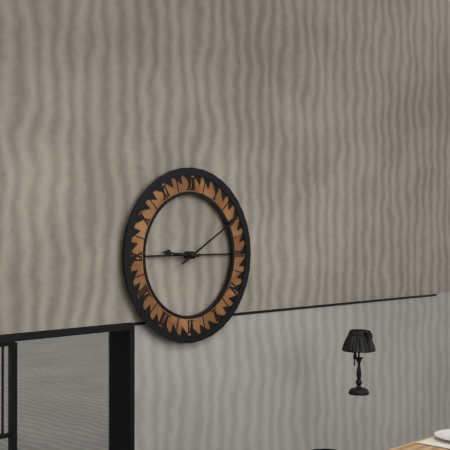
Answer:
h=9 m=10
